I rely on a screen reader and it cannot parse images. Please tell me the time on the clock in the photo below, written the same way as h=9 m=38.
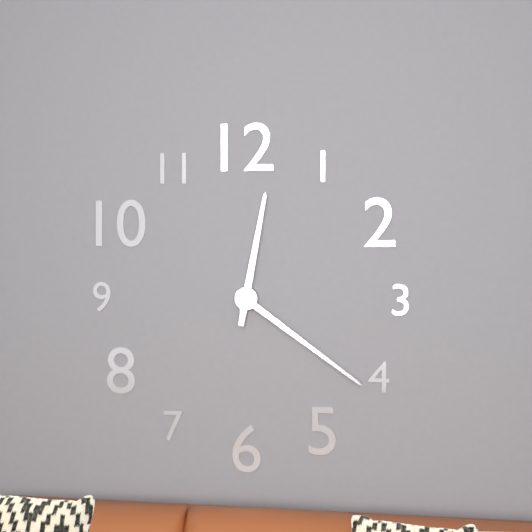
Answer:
h=12 m=21
